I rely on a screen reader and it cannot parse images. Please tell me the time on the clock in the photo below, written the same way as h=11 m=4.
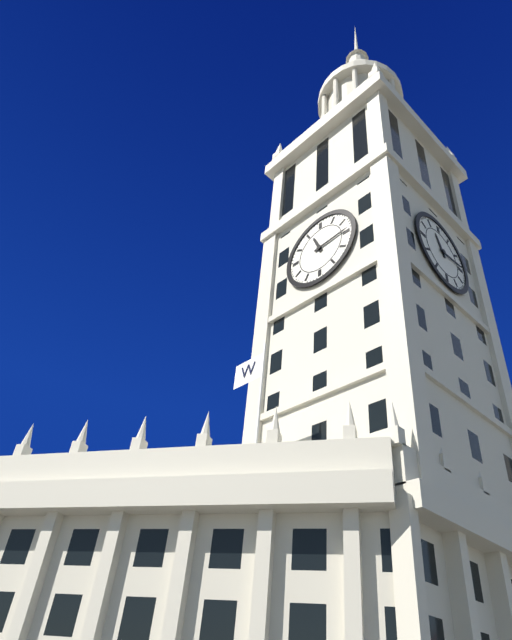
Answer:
h=11 m=14
